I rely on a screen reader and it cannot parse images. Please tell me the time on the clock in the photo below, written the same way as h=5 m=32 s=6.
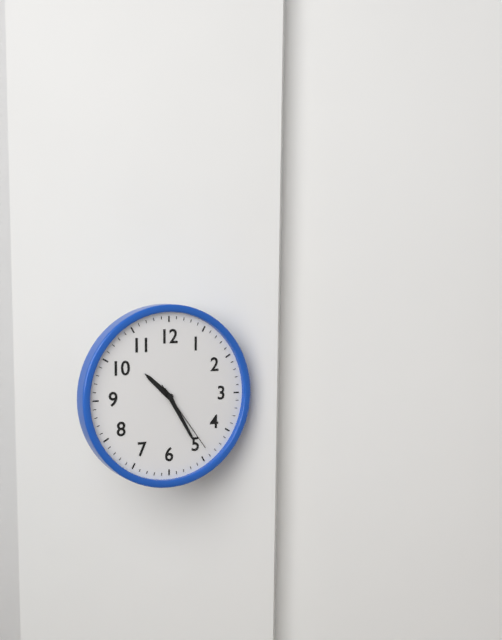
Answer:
h=10 m=25 s=24
